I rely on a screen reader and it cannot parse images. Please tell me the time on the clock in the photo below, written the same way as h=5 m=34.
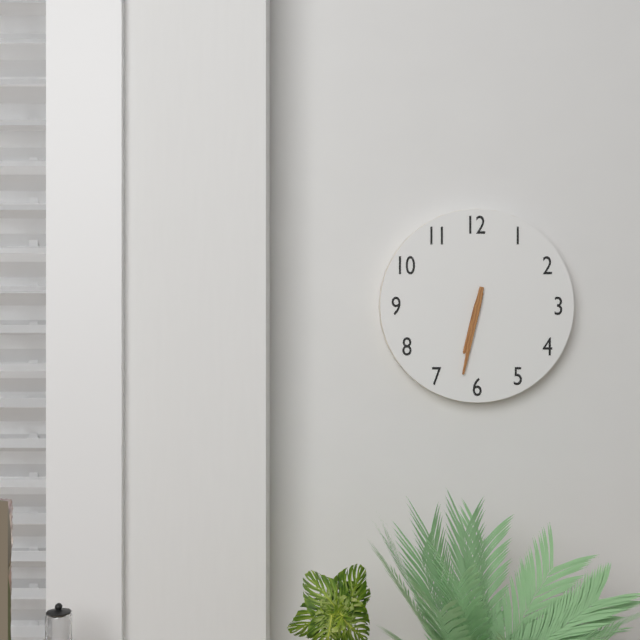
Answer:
h=6 m=32
